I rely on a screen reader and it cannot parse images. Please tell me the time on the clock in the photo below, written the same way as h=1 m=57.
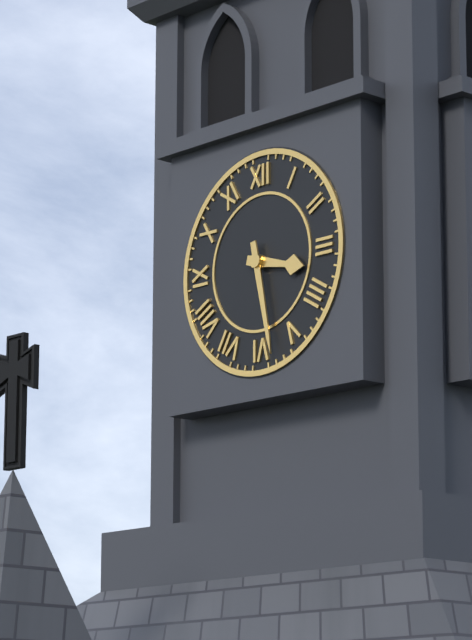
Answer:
h=3 m=28
